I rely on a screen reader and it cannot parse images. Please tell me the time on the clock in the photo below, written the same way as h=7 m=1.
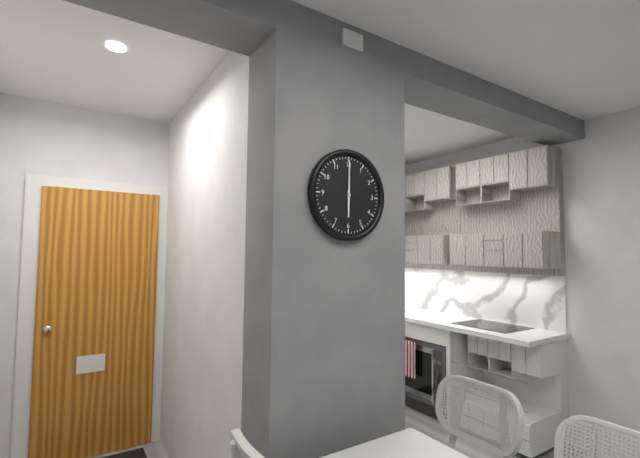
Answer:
h=6 m=0
